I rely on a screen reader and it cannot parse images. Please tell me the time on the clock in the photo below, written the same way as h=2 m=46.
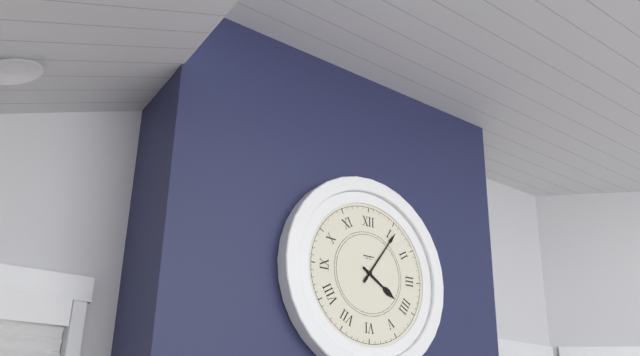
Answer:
h=4 m=6
